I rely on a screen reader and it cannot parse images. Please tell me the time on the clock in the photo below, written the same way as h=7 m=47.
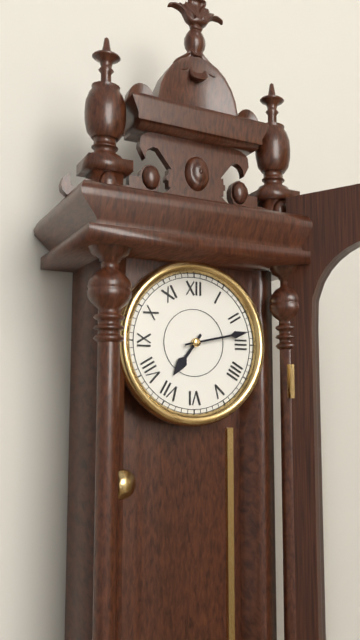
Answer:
h=7 m=13
